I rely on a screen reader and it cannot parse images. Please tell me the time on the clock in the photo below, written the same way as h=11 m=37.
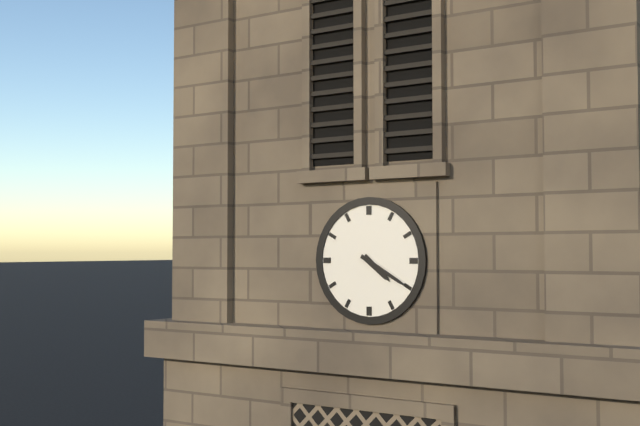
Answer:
h=4 m=20
